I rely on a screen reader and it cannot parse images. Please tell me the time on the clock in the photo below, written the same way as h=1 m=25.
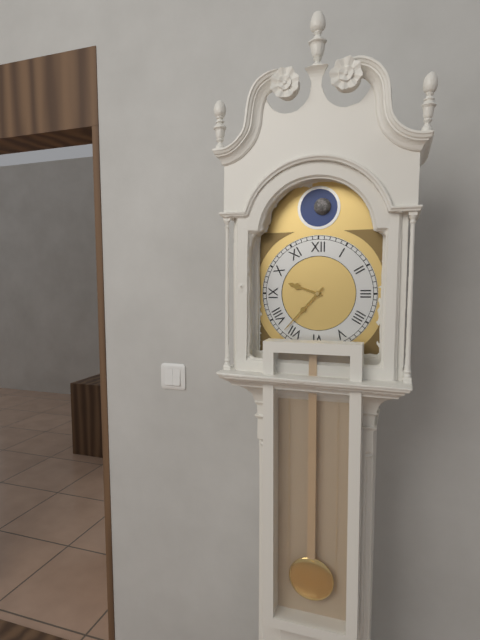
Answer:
h=9 m=37
